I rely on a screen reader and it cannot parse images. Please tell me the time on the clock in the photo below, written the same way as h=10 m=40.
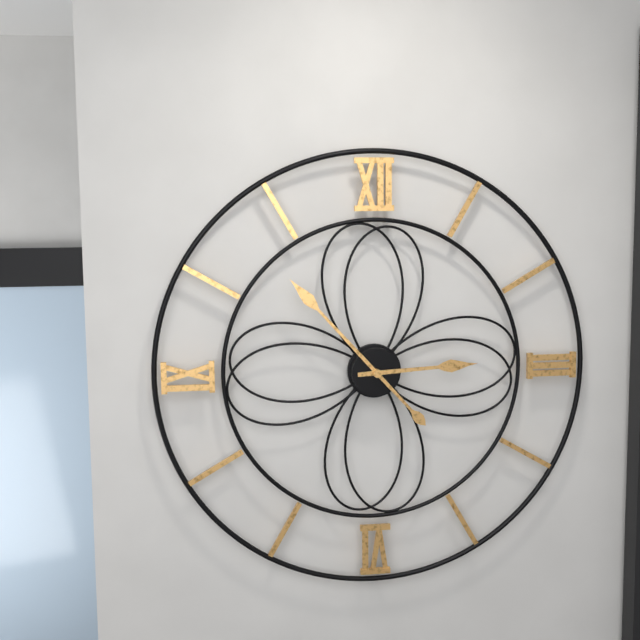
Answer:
h=2 m=53
